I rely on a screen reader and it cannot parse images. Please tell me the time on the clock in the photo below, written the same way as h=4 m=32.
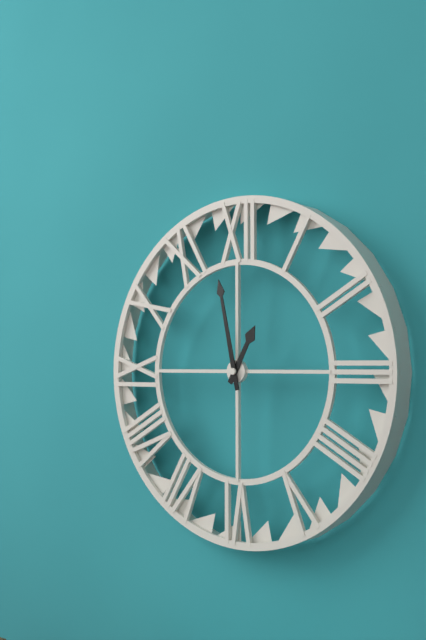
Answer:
h=12 m=58
